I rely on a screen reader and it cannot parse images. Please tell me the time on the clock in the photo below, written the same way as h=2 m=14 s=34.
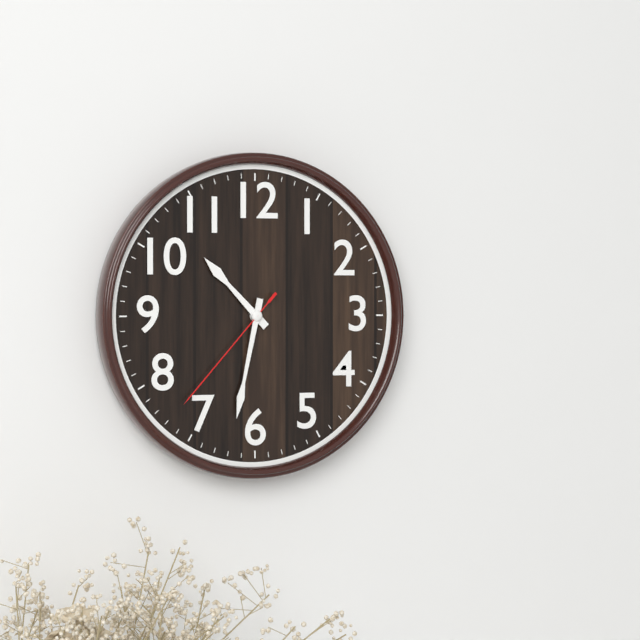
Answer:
h=10 m=32 s=37
